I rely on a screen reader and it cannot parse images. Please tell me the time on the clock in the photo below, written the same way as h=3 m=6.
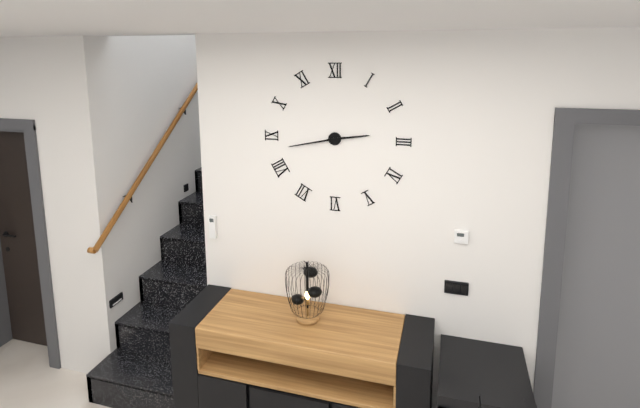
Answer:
h=2 m=43
